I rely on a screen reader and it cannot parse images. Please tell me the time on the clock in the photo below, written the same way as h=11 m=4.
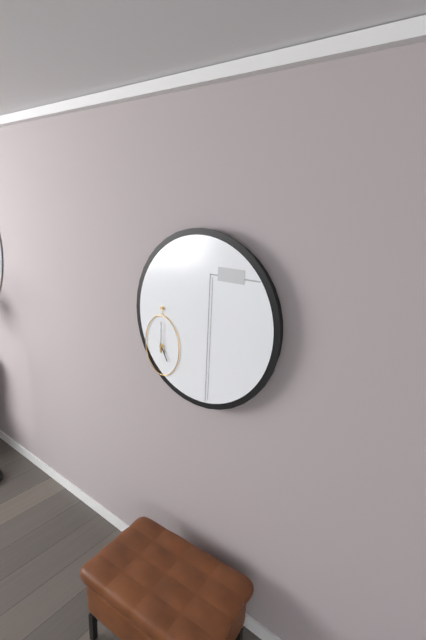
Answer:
h=5 m=0
